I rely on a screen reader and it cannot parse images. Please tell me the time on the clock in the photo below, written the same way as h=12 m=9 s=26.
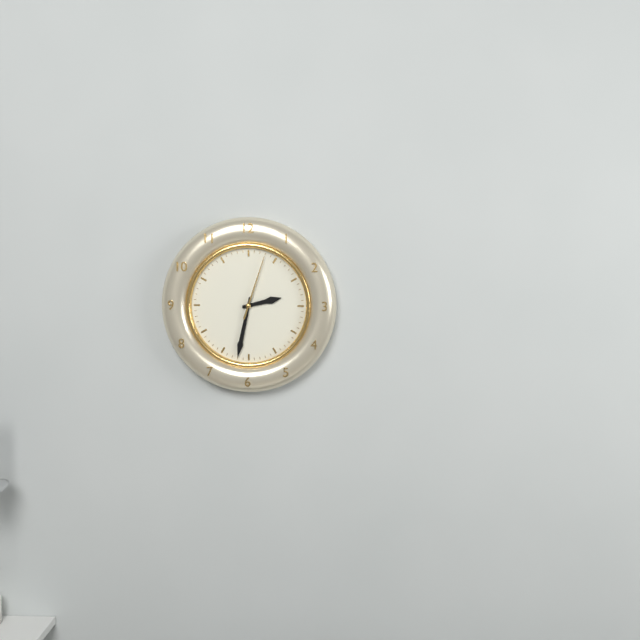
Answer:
h=2 m=32 s=3
